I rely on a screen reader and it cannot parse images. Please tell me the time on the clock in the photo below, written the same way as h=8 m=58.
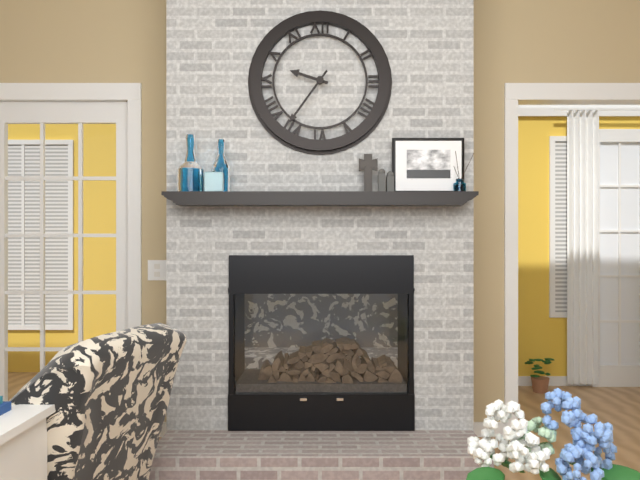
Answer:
h=9 m=36
